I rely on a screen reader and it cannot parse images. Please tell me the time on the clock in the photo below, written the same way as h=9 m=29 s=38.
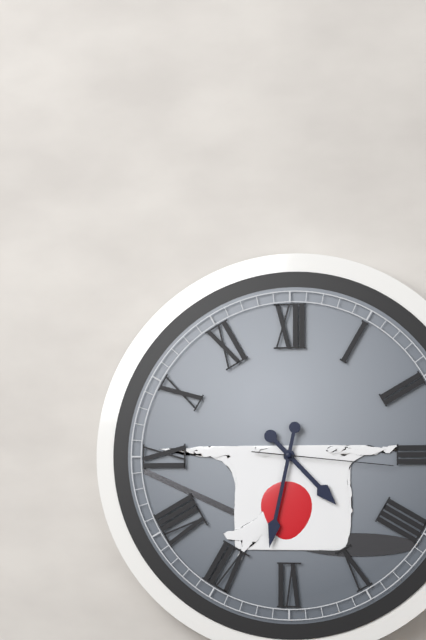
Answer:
h=4 m=32 s=16
